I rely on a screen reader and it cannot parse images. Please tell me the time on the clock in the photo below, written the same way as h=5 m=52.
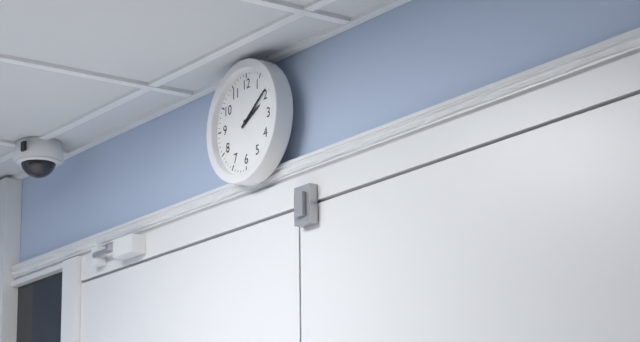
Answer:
h=2 m=9
